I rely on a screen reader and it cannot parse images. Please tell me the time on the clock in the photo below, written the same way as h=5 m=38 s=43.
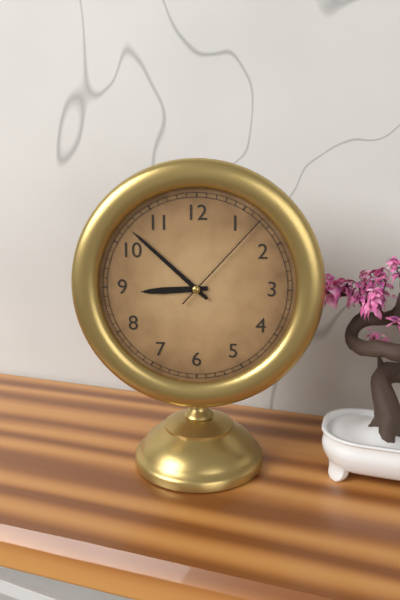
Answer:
h=8 m=52 s=7
